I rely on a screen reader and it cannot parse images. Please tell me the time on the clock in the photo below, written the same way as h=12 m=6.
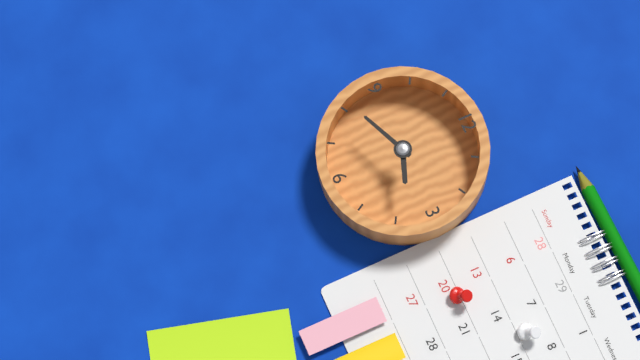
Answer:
h=3 m=41
